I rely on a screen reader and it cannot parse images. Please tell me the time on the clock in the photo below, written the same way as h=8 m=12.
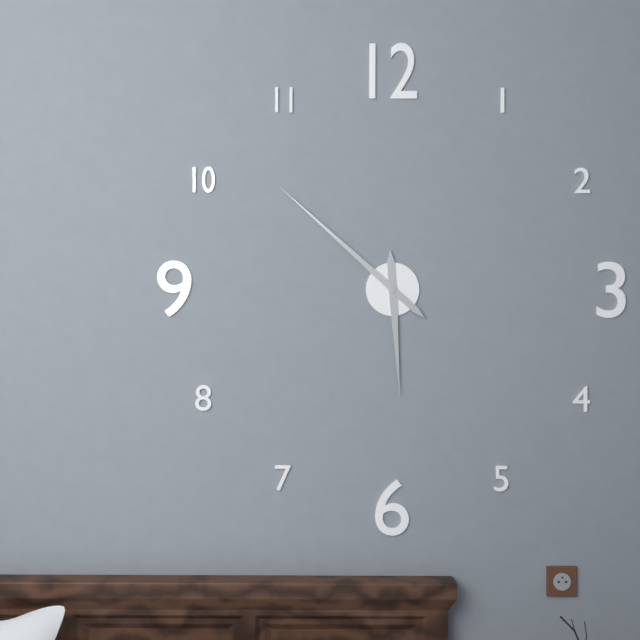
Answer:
h=5 m=52
